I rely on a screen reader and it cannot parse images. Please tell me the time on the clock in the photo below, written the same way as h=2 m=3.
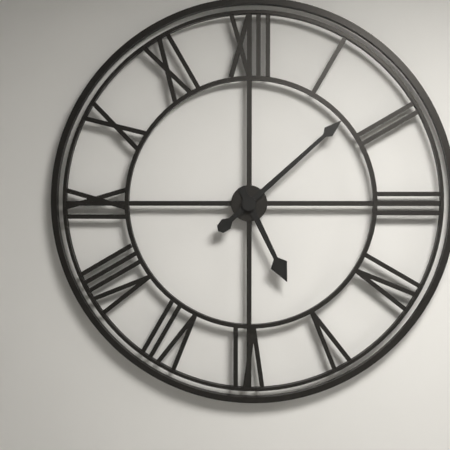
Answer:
h=5 m=8
